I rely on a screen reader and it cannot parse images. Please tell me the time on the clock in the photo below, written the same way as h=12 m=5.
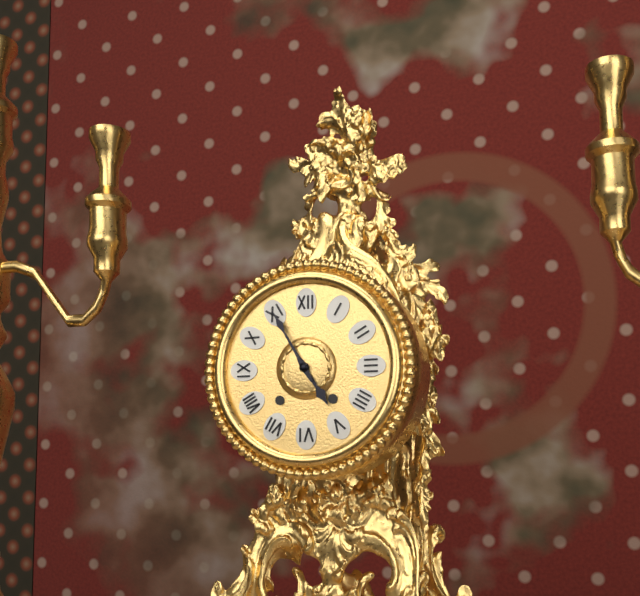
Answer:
h=4 m=55
